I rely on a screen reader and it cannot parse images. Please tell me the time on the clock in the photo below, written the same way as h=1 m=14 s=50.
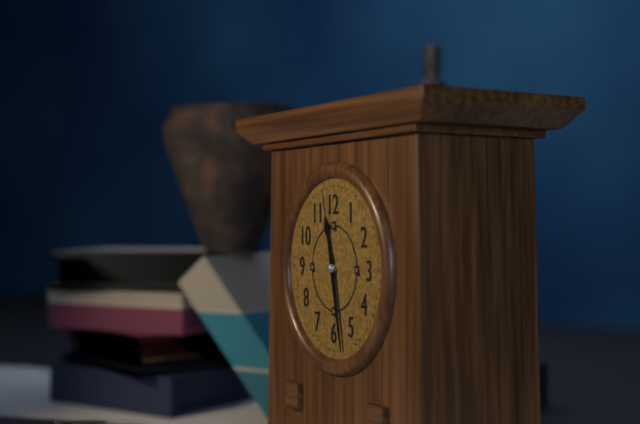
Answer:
h=11 m=28 s=58
